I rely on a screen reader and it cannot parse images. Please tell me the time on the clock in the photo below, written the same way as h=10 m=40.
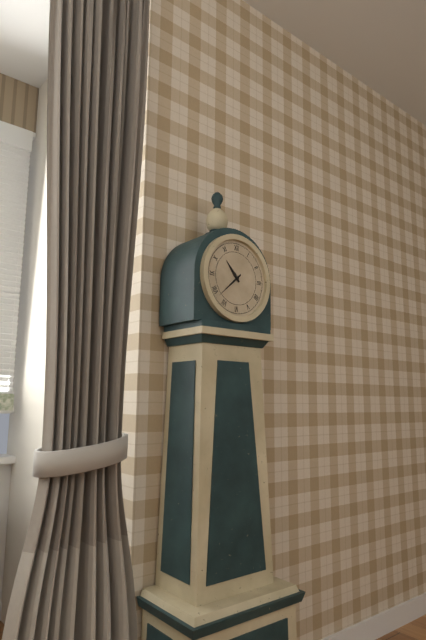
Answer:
h=10 m=38
